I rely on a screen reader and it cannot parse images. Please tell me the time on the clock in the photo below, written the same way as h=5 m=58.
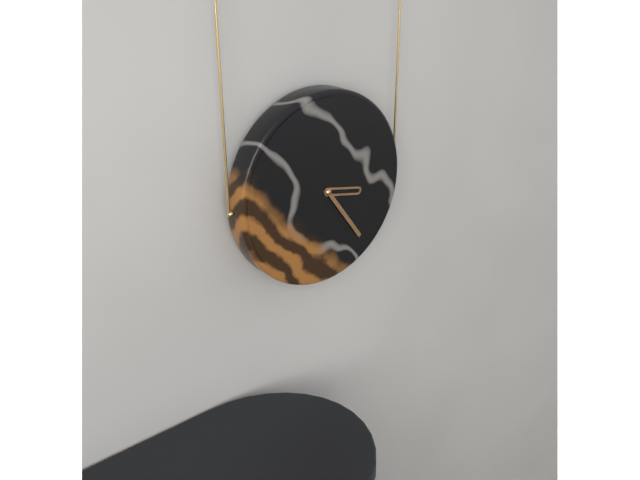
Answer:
h=3 m=24
